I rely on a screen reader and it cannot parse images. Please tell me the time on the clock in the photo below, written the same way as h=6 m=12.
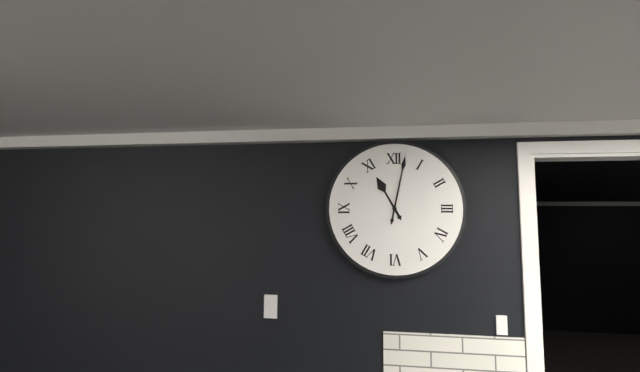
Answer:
h=11 m=2
